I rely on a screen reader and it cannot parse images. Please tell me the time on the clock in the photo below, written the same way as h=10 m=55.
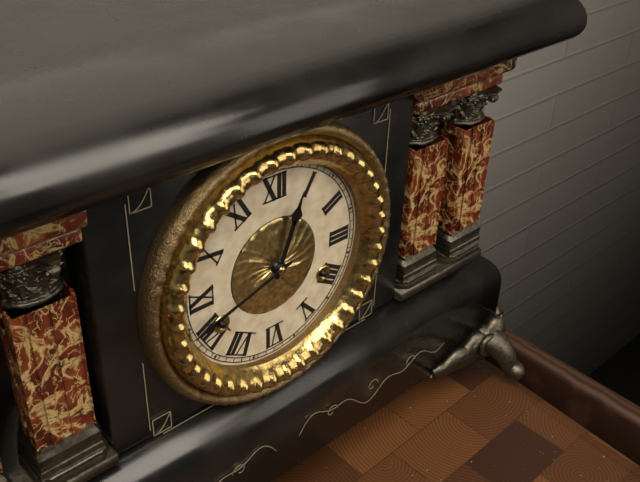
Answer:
h=12 m=42
